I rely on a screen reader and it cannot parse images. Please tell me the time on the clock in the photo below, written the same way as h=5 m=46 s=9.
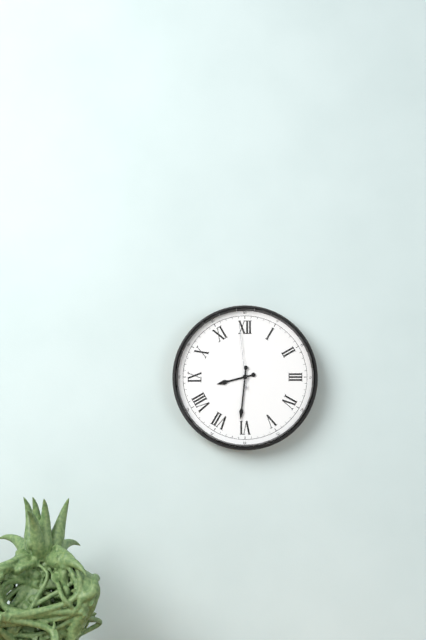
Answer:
h=8 m=31 s=59
